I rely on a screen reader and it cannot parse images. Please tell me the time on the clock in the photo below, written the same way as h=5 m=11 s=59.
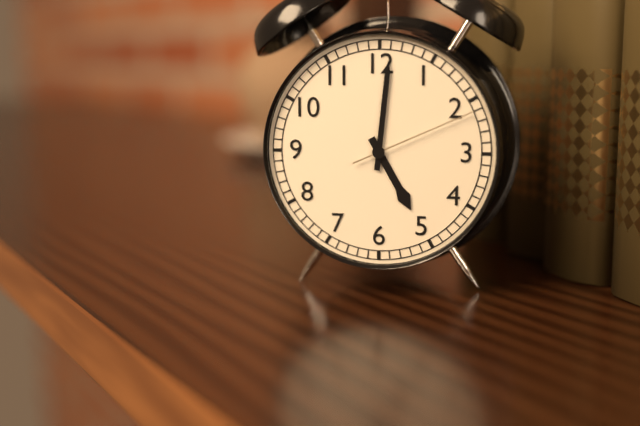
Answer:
h=5 m=1 s=11
